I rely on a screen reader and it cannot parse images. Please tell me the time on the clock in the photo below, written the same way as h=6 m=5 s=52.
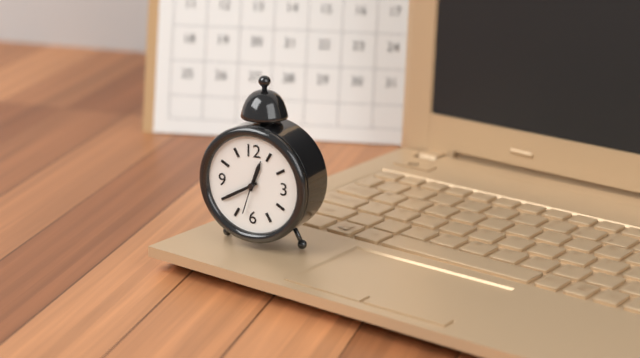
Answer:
h=12 m=40 s=33
